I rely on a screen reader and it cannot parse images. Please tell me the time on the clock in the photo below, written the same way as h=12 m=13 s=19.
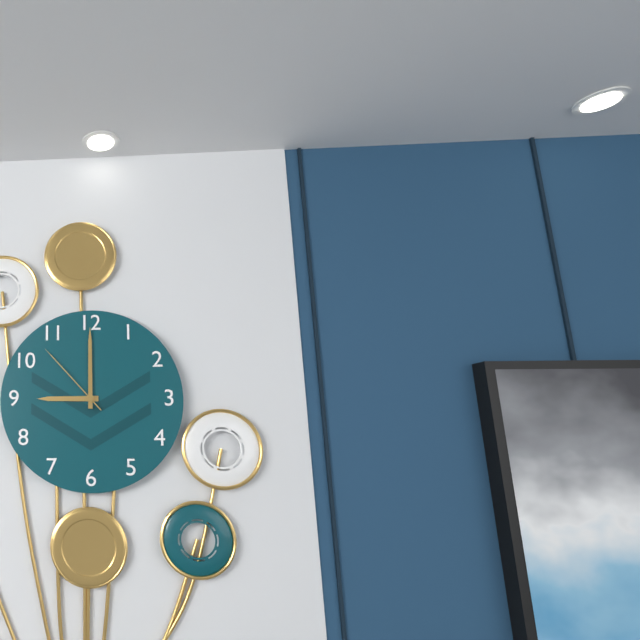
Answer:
h=9 m=0 s=53
